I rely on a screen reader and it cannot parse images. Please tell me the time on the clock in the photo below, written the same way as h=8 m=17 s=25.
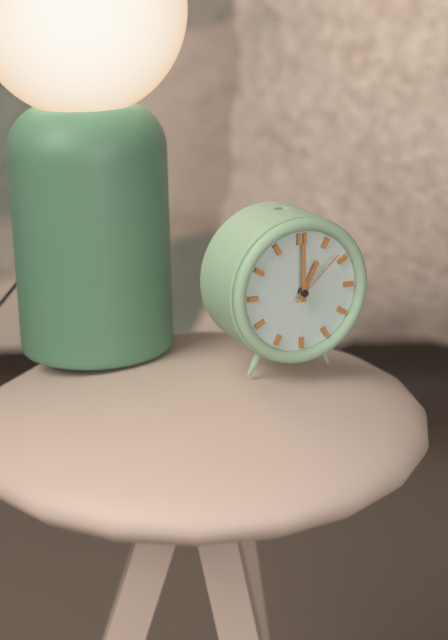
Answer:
h=1 m=0 s=8
